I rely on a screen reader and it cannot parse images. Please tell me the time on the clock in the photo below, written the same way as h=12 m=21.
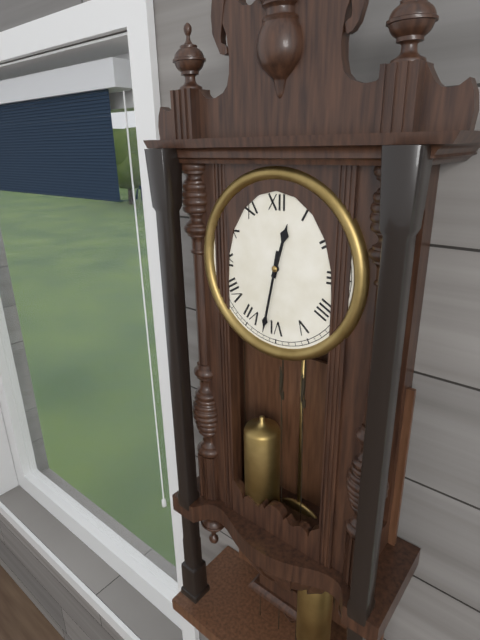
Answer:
h=12 m=32
